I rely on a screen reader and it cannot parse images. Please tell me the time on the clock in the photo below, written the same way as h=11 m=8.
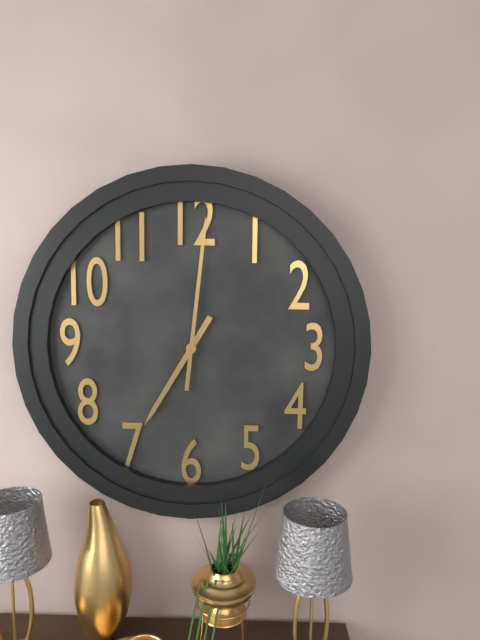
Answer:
h=7 m=1
